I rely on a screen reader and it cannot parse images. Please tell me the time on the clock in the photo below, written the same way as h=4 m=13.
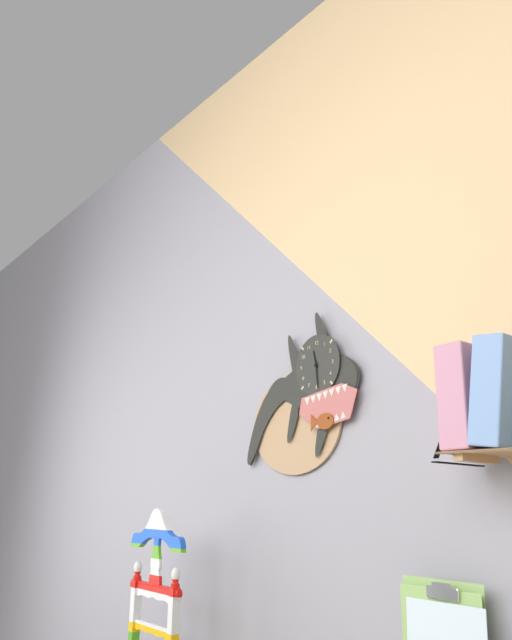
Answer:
h=11 m=29
